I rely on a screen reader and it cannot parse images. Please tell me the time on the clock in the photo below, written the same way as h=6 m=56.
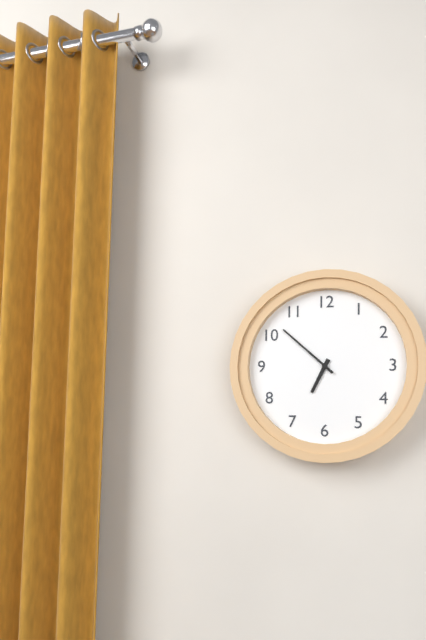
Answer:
h=6 m=52
